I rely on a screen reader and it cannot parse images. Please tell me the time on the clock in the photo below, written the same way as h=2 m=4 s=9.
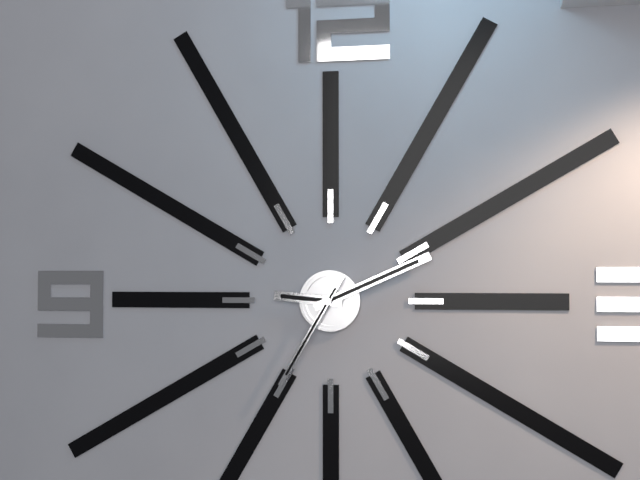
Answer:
h=9 m=11 s=35
